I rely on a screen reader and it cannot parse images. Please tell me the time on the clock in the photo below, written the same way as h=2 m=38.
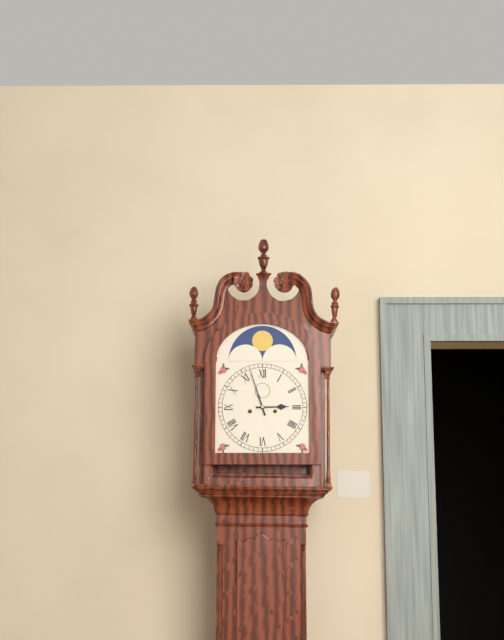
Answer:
h=2 m=57
